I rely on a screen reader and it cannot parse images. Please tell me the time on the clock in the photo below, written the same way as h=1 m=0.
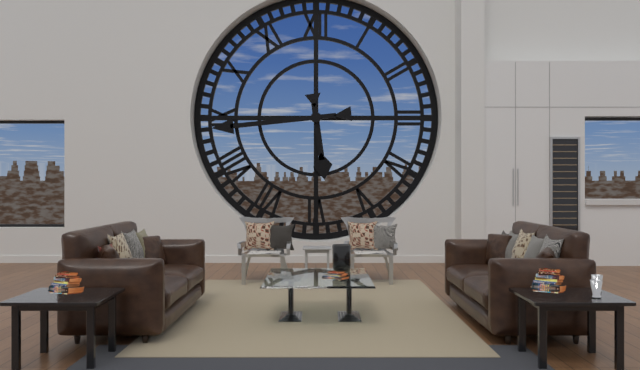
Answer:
h=5 m=44
